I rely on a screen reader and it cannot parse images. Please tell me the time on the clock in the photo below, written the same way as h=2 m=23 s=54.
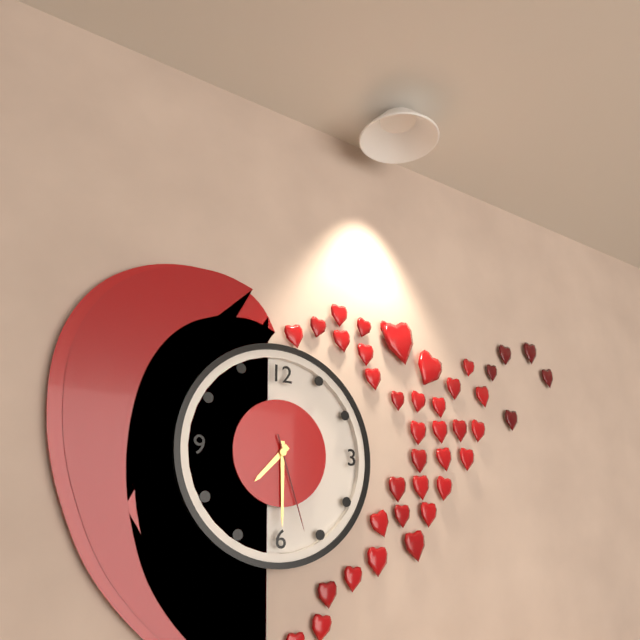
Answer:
h=7 m=30 s=27
